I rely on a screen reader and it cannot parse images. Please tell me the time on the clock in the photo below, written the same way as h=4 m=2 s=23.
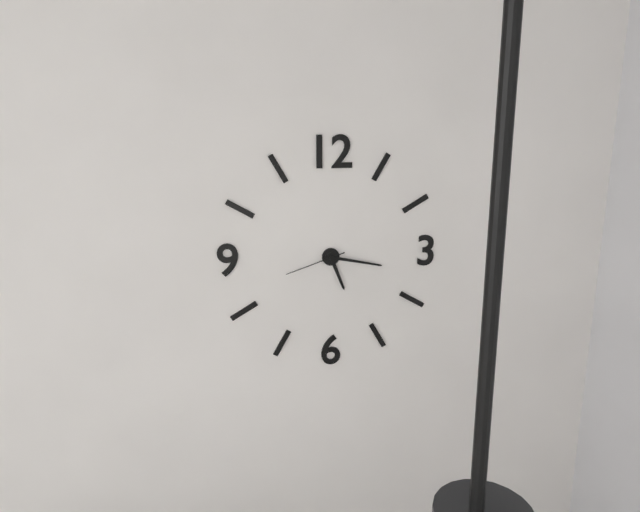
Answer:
h=5 m=17 s=42
